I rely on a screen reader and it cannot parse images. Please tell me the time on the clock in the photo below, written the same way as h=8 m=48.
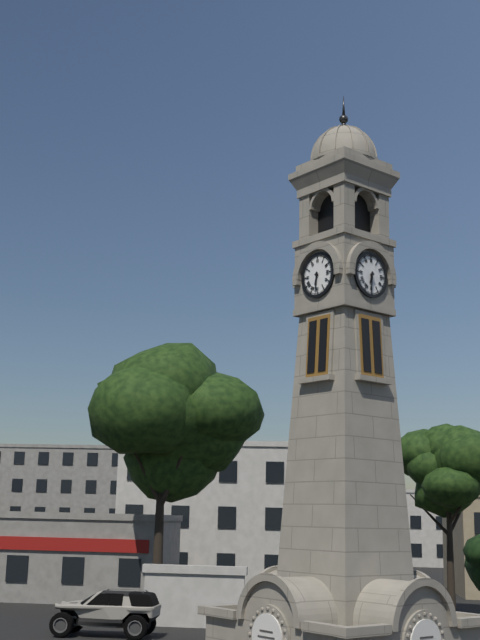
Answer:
h=6 m=31
